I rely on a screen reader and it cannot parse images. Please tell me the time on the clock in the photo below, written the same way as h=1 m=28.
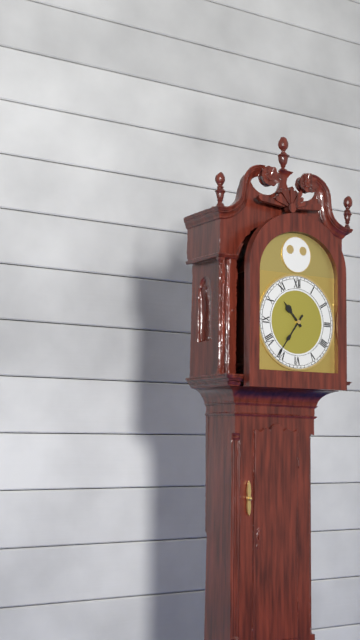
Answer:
h=10 m=36
